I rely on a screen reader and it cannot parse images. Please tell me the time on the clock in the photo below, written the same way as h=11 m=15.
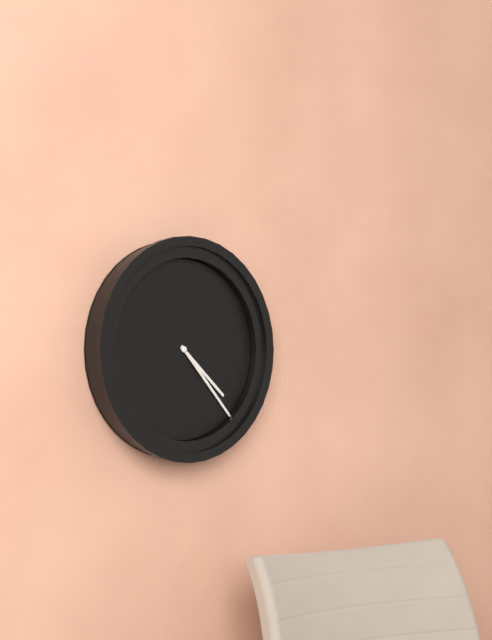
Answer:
h=4 m=23
